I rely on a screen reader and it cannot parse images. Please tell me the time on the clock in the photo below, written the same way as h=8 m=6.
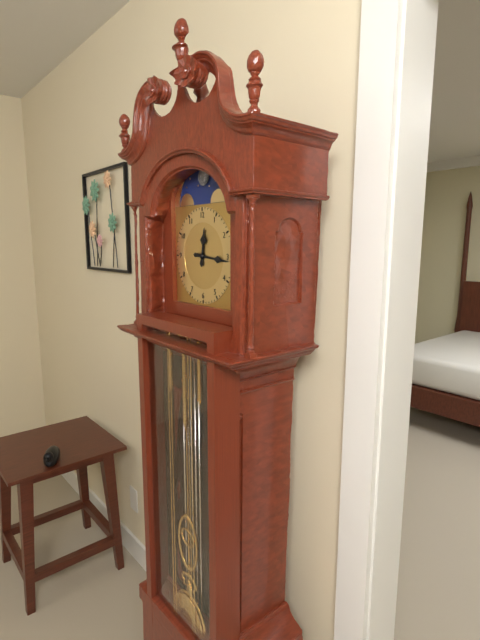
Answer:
h=12 m=16
